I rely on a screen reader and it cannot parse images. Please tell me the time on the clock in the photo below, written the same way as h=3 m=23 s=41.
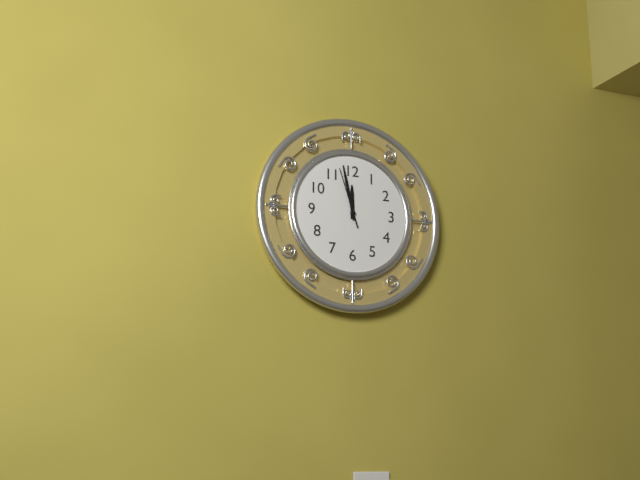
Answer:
h=11 m=58 s=57
